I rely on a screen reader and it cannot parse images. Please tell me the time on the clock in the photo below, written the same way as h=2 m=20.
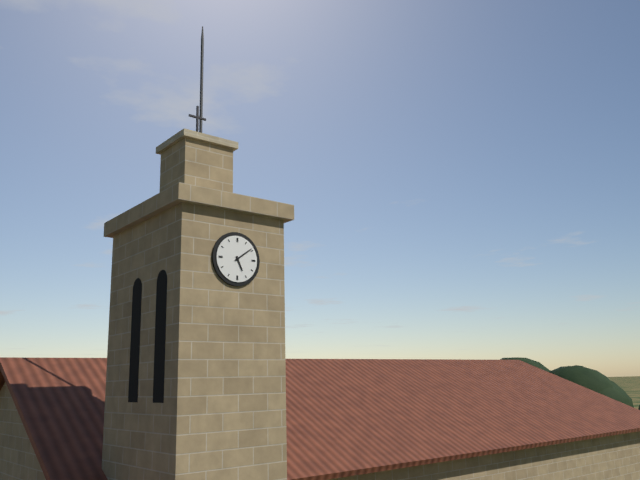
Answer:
h=5 m=9
